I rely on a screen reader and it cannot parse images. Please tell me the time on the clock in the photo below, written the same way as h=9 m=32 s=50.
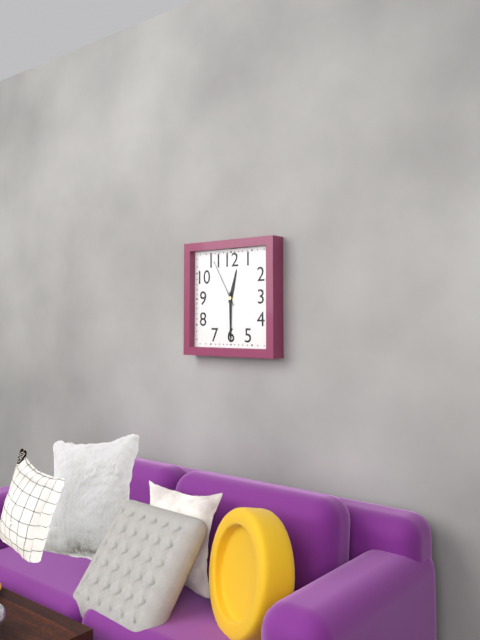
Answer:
h=12 m=30 s=55
